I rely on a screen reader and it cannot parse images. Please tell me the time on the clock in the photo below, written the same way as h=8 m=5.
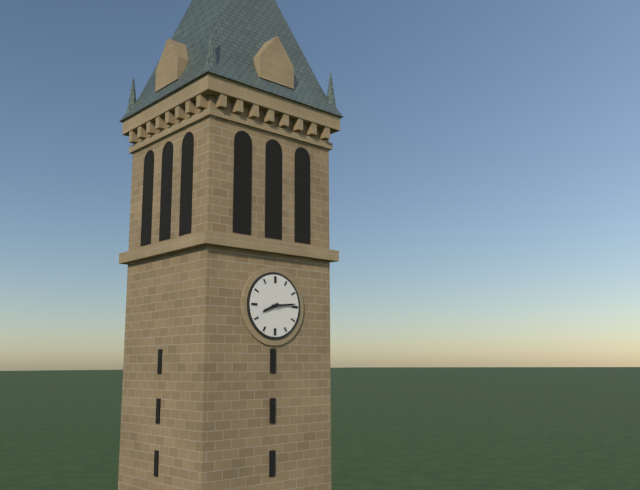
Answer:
h=8 m=14
